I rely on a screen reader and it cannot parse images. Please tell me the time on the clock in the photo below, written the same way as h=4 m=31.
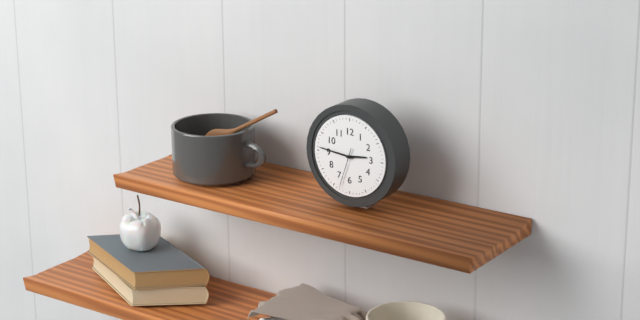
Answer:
h=2 m=46
